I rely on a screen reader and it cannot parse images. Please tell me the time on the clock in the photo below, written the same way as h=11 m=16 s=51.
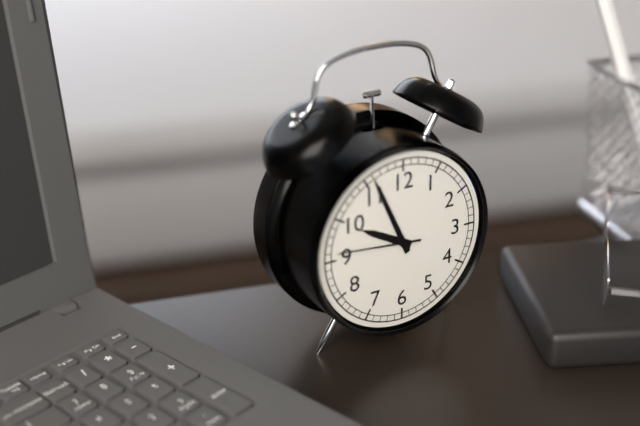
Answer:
h=9 m=56 s=46
